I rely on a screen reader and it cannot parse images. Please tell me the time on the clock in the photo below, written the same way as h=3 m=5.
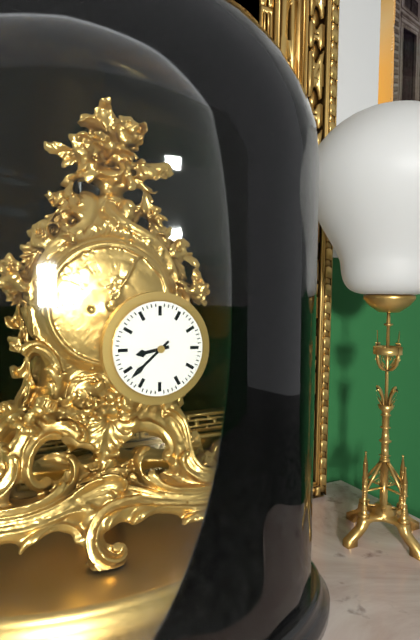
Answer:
h=8 m=38
